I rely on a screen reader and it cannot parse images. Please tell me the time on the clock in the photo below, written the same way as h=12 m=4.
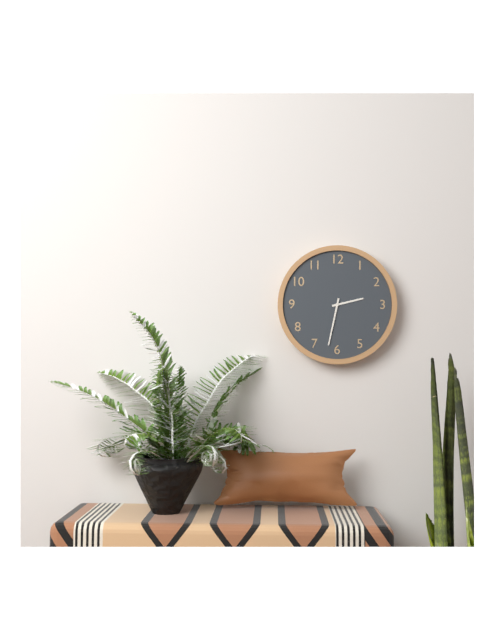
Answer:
h=2 m=32
